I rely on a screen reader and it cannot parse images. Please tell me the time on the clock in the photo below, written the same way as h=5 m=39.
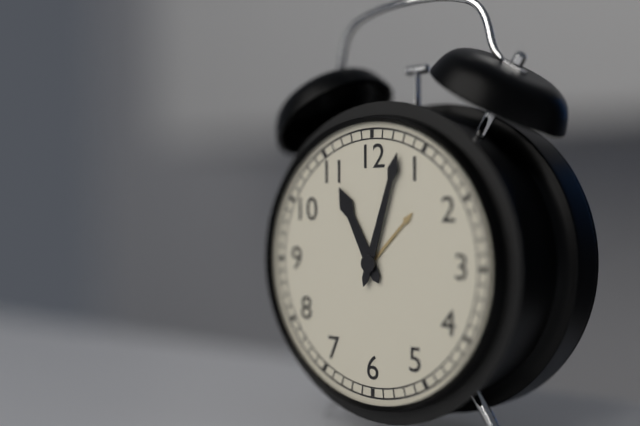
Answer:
h=11 m=3
